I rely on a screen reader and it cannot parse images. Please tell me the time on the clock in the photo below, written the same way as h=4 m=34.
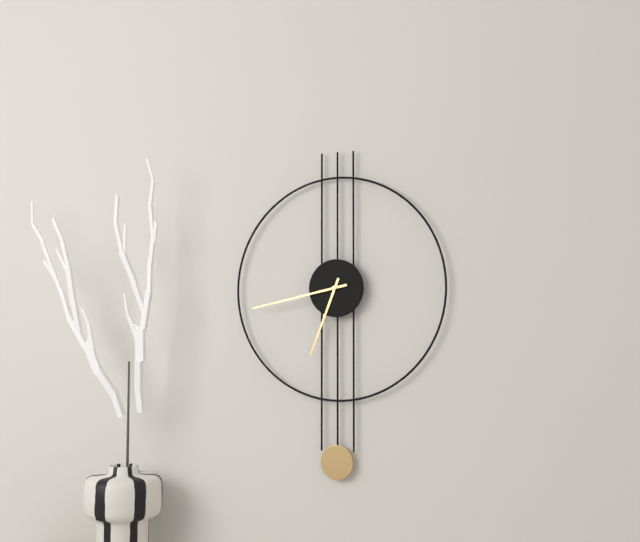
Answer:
h=6 m=43
